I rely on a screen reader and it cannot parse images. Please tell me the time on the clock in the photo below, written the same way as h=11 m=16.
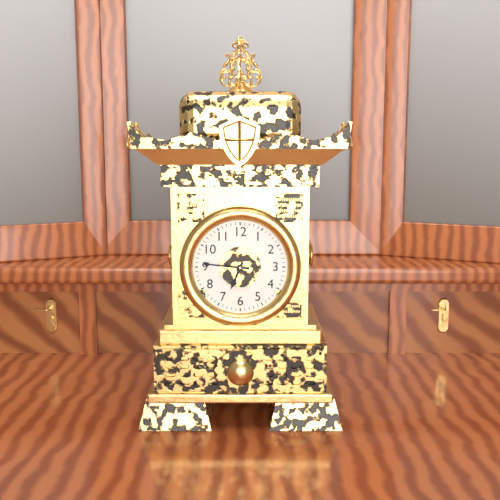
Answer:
h=6 m=46
